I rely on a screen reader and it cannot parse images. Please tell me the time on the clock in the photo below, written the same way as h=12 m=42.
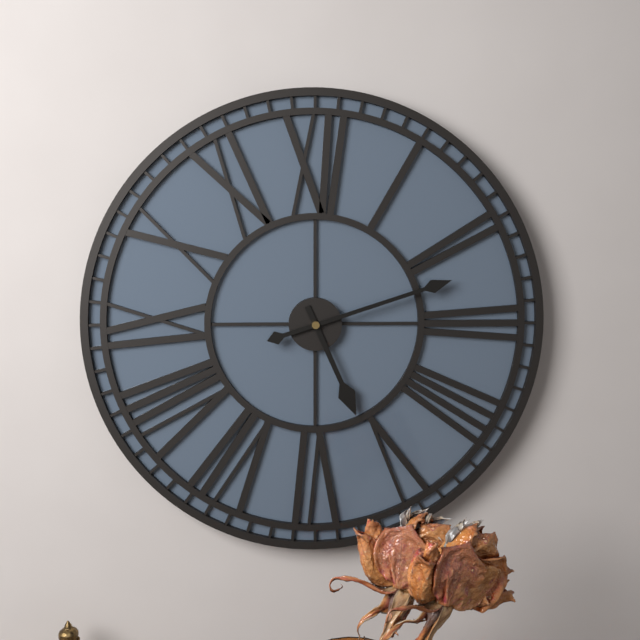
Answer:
h=5 m=12
